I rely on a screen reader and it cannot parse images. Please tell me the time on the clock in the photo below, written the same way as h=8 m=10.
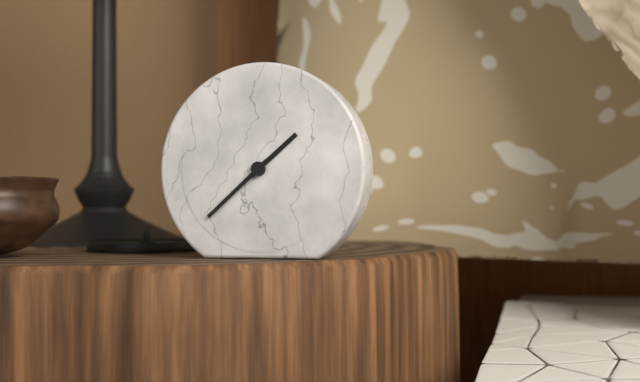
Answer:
h=1 m=38
